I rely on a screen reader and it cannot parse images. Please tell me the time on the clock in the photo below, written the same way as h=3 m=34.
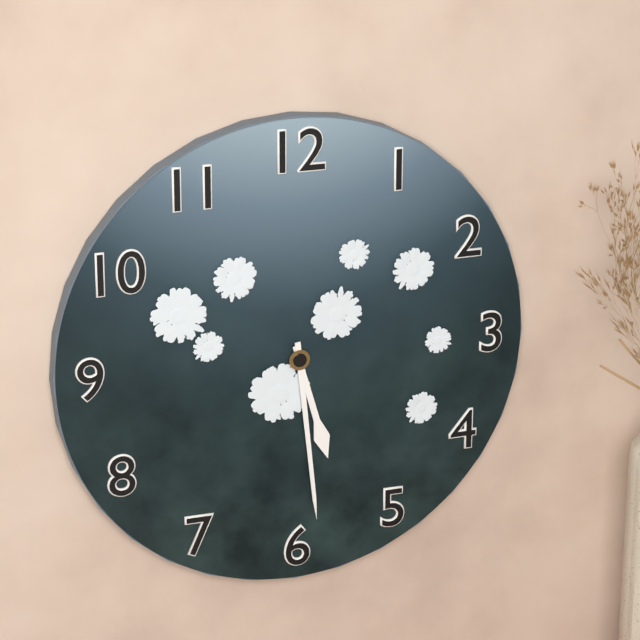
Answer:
h=5 m=29
